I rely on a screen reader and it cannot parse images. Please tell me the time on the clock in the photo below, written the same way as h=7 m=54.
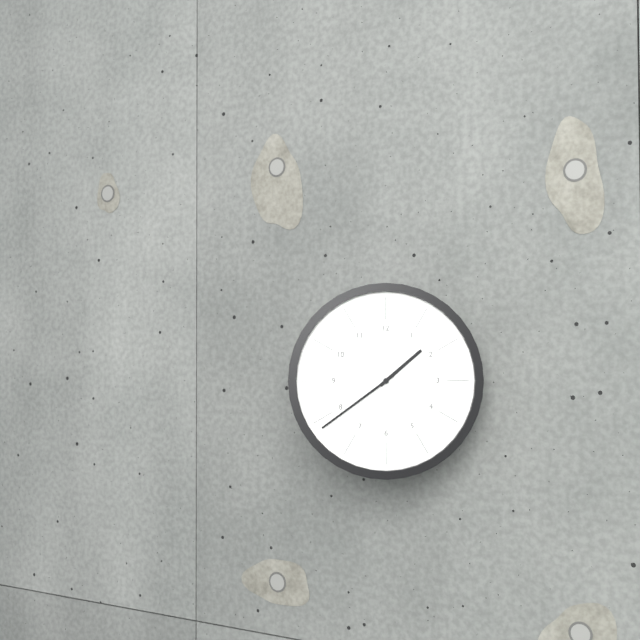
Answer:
h=1 m=39
